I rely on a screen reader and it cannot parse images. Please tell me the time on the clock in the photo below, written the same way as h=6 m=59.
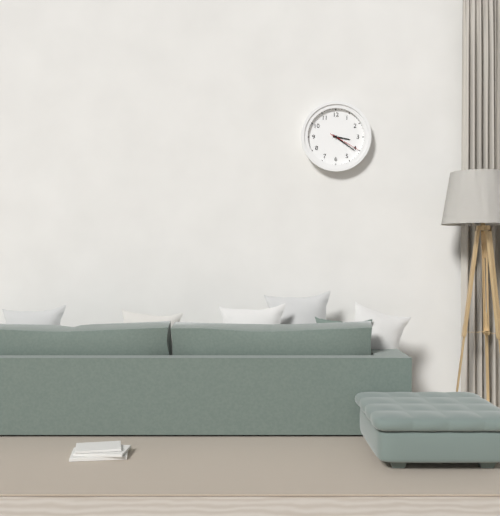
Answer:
h=3 m=21
